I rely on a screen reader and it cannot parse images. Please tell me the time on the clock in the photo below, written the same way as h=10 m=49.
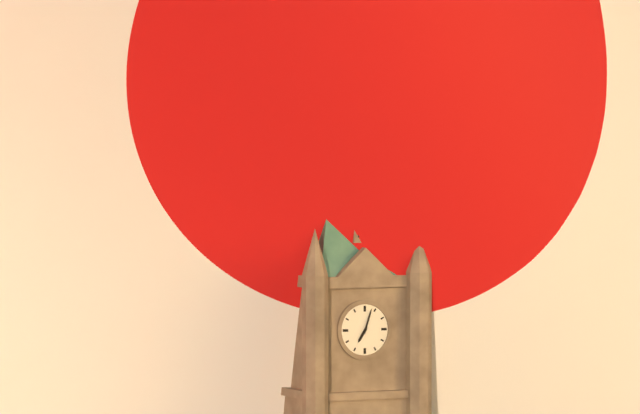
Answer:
h=7 m=3
